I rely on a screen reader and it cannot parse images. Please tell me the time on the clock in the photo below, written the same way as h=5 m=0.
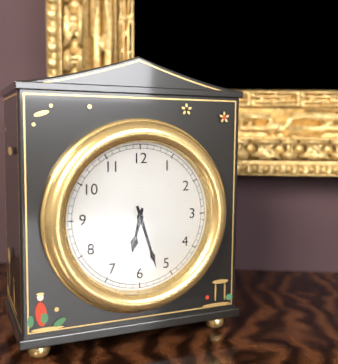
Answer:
h=6 m=27
